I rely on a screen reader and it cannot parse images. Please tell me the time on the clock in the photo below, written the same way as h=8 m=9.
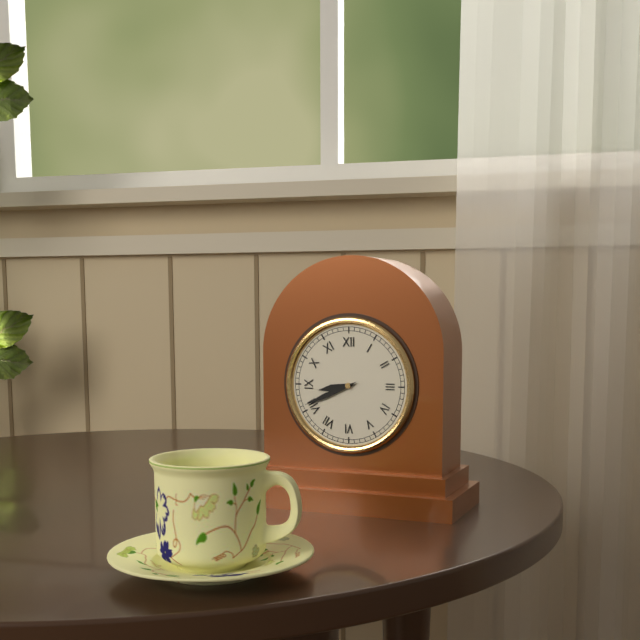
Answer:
h=8 m=41
